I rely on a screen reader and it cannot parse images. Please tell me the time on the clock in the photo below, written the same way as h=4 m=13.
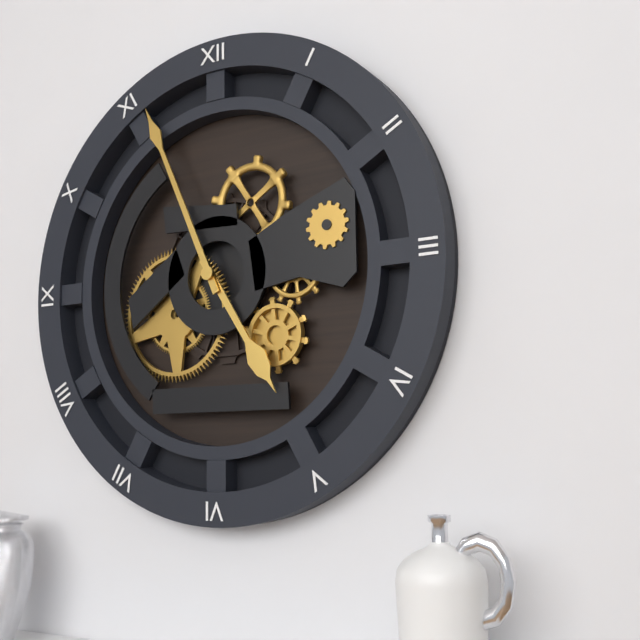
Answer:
h=4 m=56
